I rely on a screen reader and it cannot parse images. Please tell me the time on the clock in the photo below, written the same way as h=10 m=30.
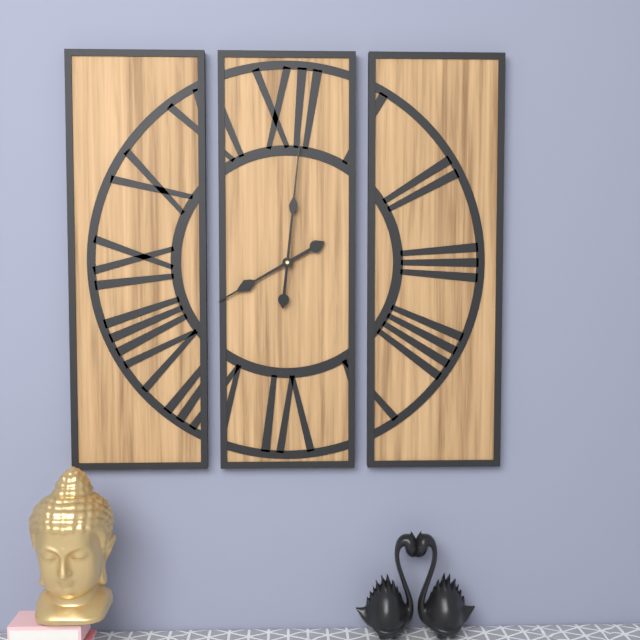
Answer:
h=8 m=1
